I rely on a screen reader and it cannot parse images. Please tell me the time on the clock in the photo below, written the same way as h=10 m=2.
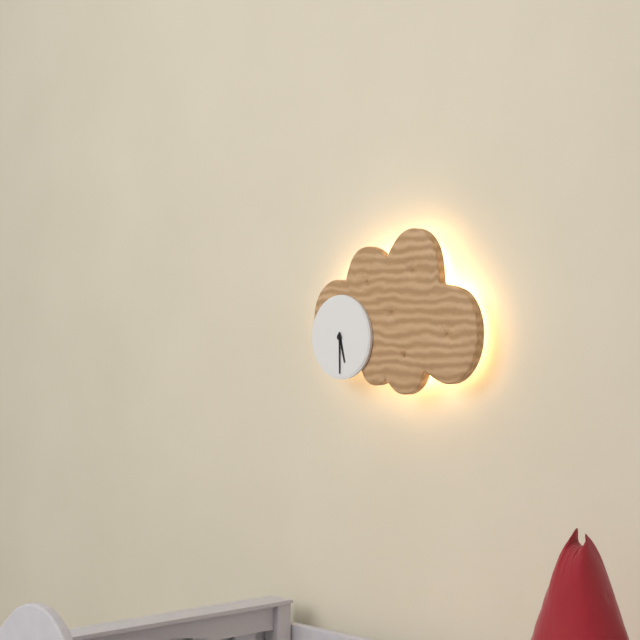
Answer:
h=5 m=30
